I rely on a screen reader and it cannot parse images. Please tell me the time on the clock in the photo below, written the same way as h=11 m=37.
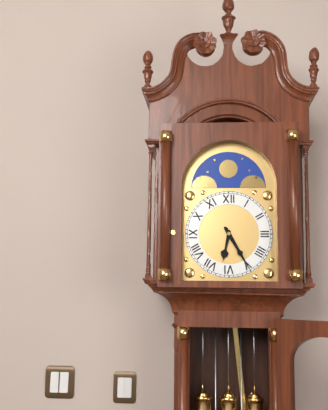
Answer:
h=6 m=25
